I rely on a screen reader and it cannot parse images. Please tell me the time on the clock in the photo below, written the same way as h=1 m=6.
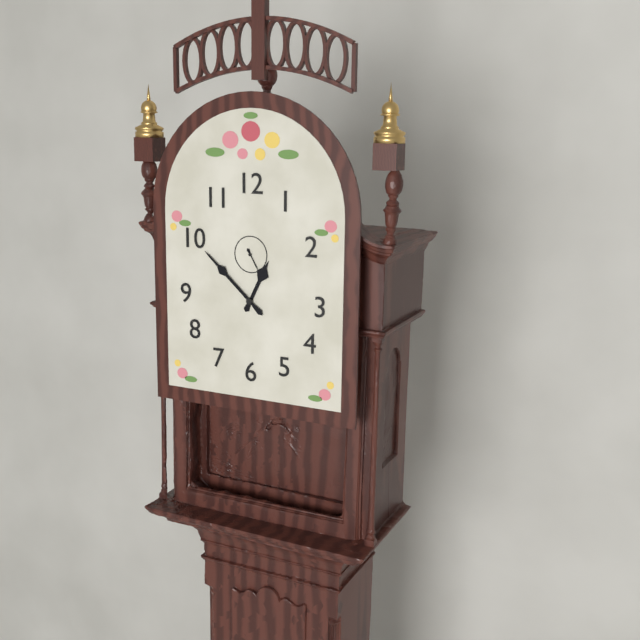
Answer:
h=12 m=52
